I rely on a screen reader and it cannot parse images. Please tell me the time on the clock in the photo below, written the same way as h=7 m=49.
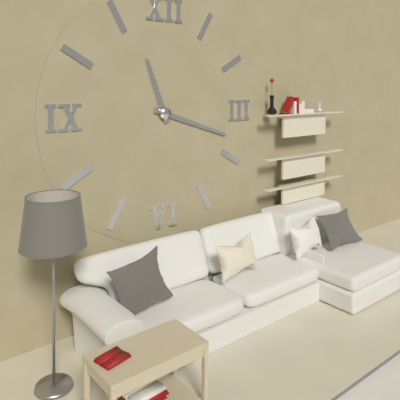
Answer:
h=11 m=18
